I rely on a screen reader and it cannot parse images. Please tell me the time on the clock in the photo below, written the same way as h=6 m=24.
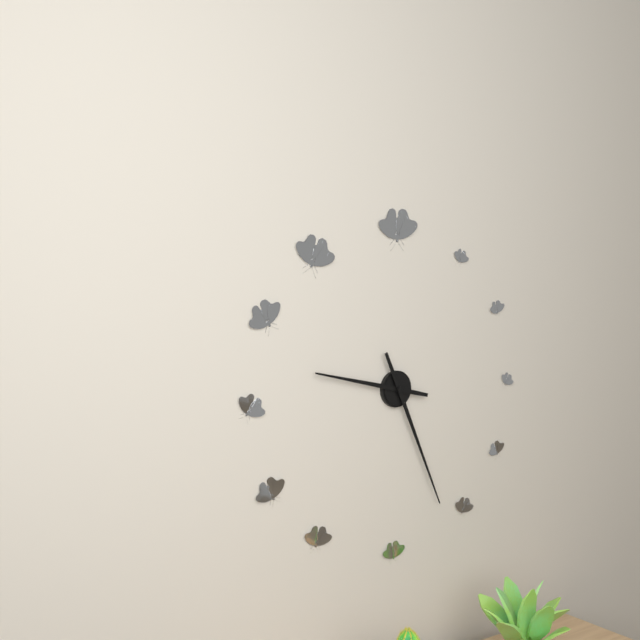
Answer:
h=9 m=26
